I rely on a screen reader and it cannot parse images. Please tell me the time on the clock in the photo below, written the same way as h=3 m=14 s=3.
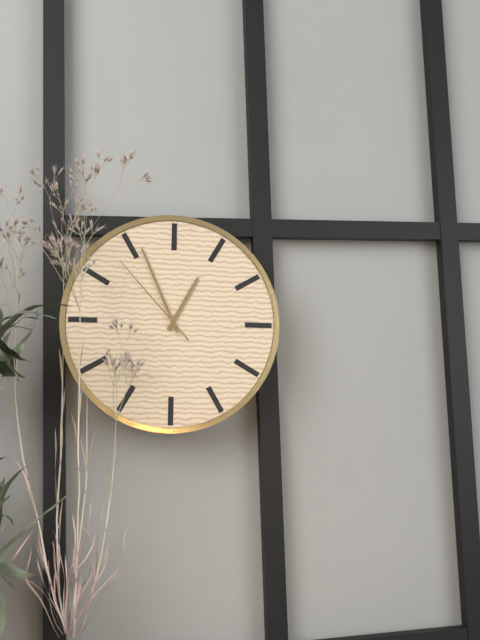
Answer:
h=12 m=56 s=53
